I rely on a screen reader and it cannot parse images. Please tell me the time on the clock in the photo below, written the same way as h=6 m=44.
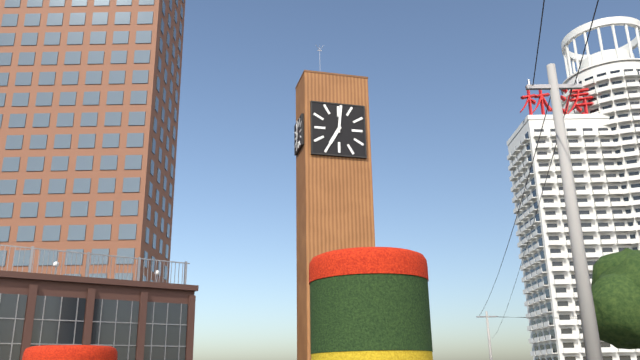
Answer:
h=7 m=1
